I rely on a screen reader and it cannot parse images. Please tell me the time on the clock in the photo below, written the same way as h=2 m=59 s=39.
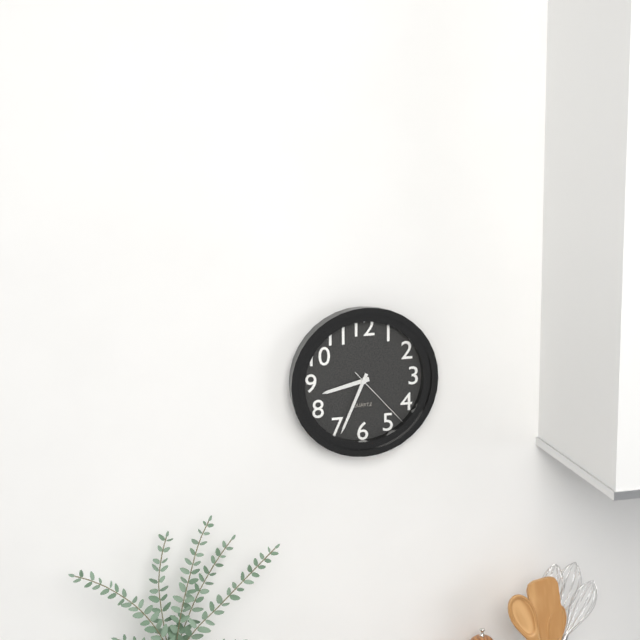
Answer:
h=8 m=34 s=23
